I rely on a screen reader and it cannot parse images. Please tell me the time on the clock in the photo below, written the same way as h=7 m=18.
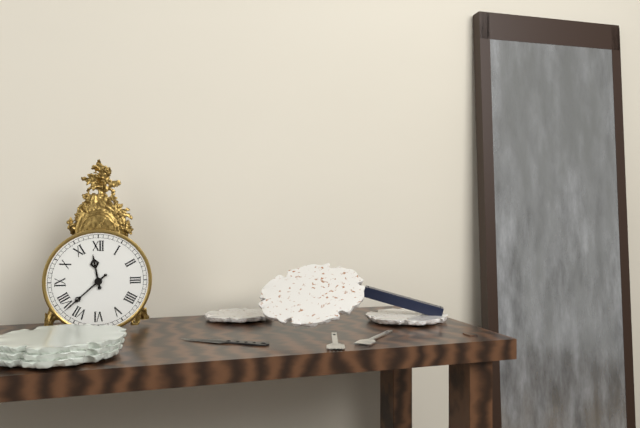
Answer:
h=11 m=38
